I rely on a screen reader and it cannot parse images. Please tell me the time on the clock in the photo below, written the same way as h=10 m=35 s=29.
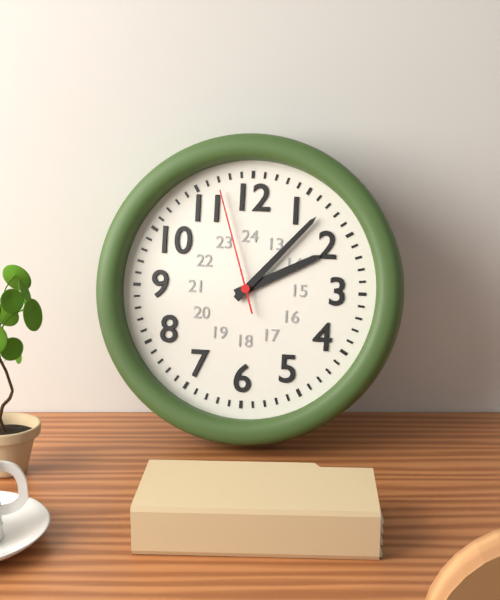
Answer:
h=2 m=7 s=57
